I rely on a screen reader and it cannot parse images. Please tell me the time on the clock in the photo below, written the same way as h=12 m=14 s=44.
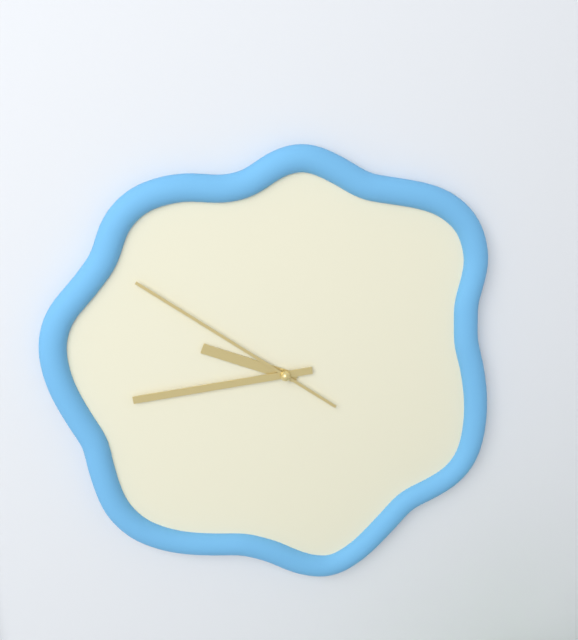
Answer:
h=9 m=44 s=51
